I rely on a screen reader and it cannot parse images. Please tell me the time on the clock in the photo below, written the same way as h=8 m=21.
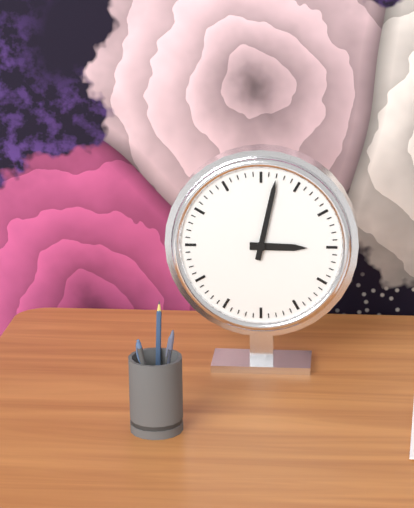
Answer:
h=3 m=2
